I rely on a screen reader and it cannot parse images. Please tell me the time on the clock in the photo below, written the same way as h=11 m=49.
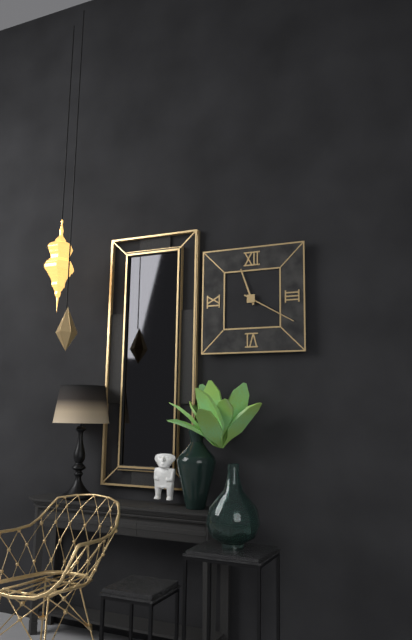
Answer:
h=11 m=20
